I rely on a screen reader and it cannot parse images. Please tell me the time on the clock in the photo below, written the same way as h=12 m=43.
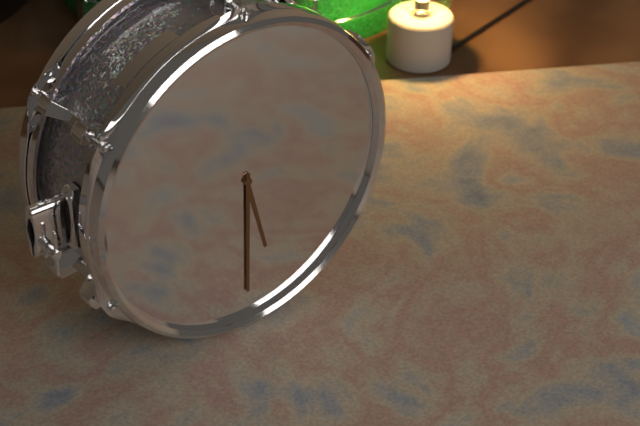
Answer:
h=5 m=30
